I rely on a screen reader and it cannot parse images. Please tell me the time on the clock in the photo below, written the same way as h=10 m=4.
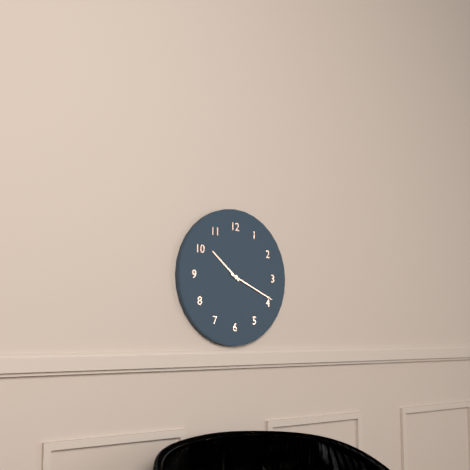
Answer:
h=10 m=19
